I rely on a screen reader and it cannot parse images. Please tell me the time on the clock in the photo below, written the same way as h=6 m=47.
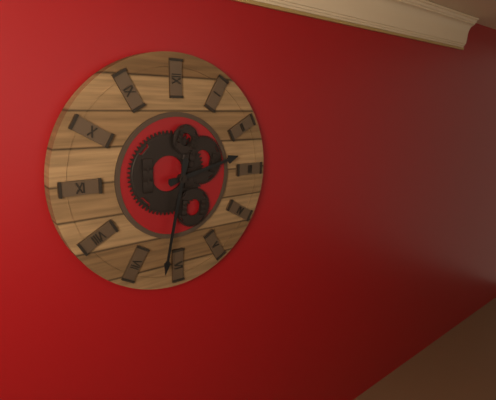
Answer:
h=2 m=32
